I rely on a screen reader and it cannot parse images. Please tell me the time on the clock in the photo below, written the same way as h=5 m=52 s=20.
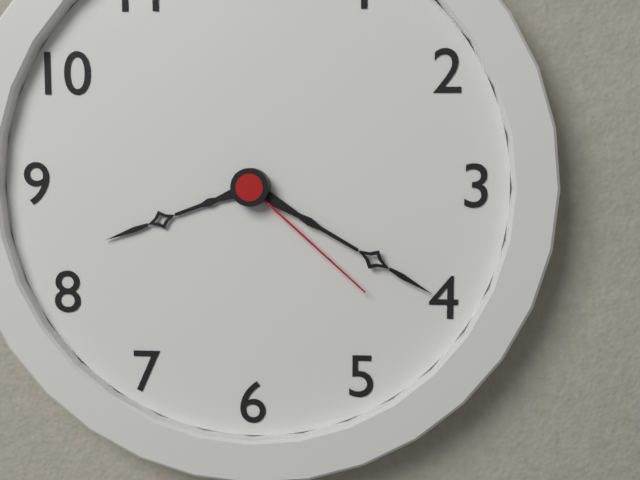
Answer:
h=8 m=20 s=22
